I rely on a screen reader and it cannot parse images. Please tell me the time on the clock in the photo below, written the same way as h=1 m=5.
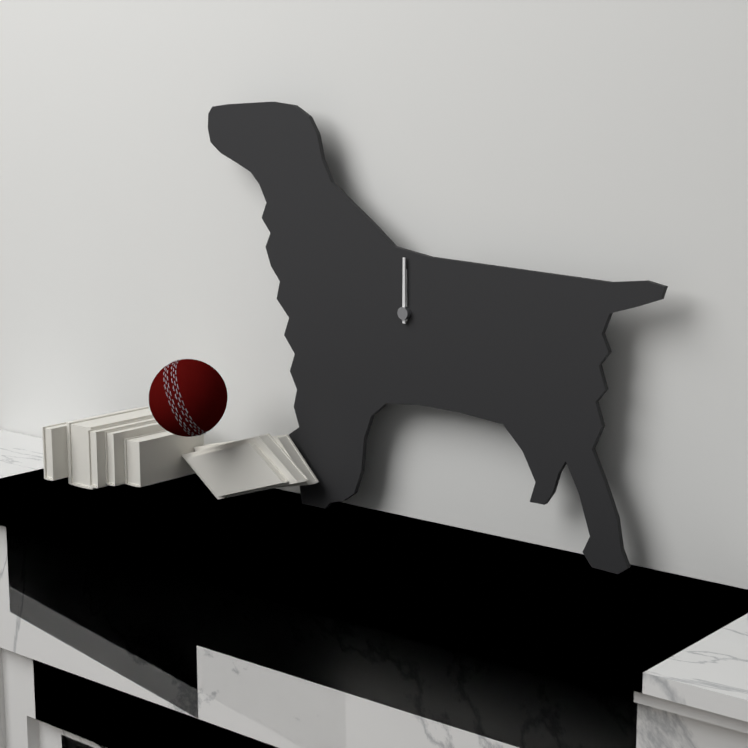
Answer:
h=12 m=0
